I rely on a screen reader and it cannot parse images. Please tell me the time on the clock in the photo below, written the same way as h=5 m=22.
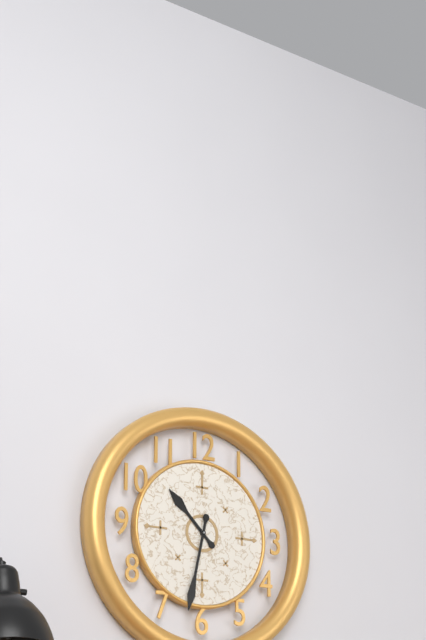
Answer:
h=10 m=32
